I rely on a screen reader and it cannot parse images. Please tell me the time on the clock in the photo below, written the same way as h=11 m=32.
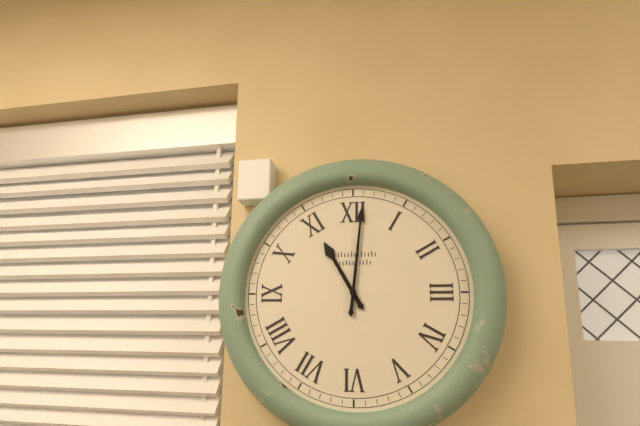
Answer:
h=11 m=1
